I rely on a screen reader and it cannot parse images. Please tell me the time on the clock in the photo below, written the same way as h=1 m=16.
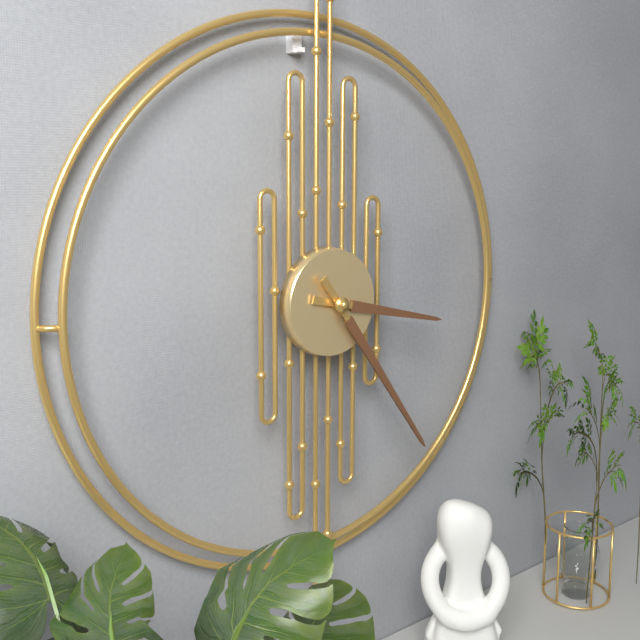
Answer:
h=3 m=24
